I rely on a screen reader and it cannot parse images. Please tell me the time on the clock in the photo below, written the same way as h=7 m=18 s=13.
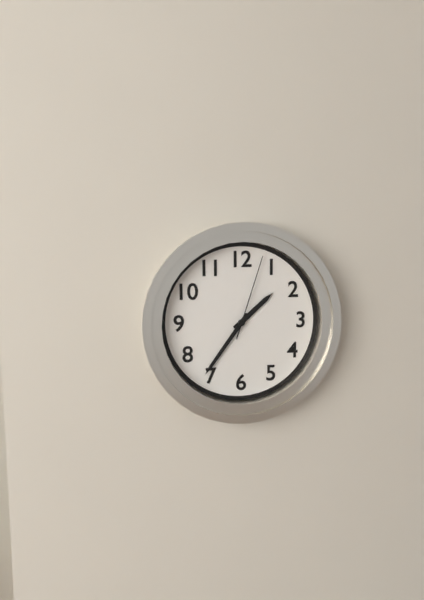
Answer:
h=1 m=36 s=3
